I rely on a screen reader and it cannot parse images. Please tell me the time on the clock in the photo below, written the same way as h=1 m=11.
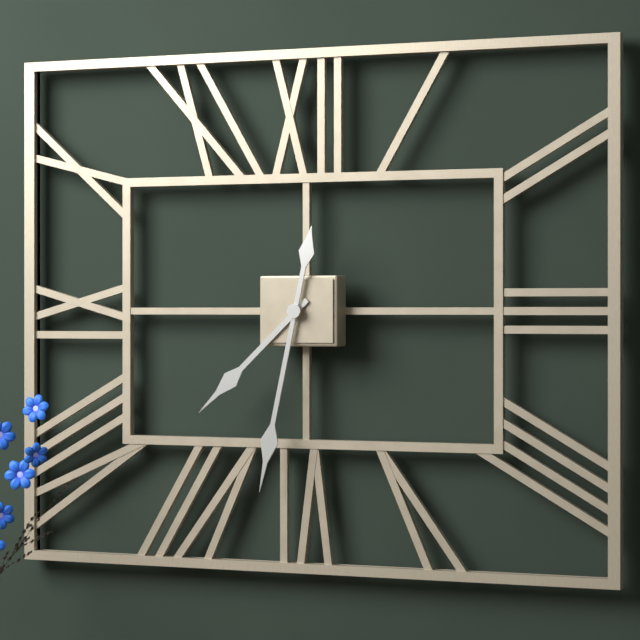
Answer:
h=7 m=32
